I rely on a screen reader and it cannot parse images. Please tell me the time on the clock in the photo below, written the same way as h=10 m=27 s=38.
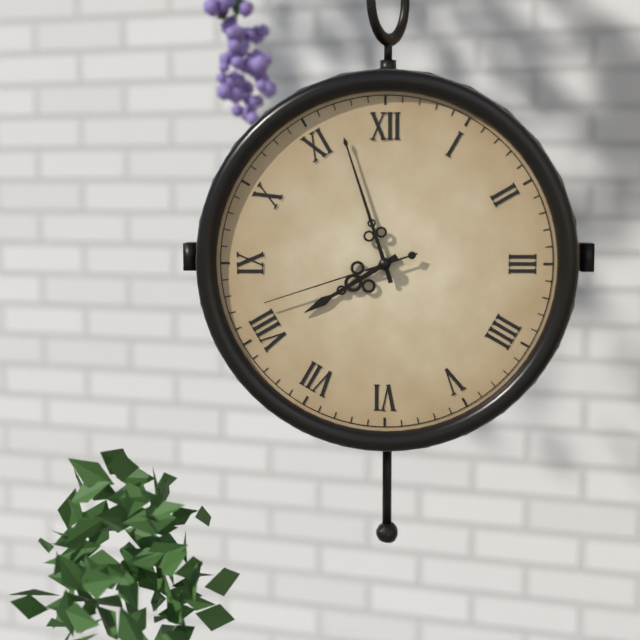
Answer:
h=7 m=57 s=42
